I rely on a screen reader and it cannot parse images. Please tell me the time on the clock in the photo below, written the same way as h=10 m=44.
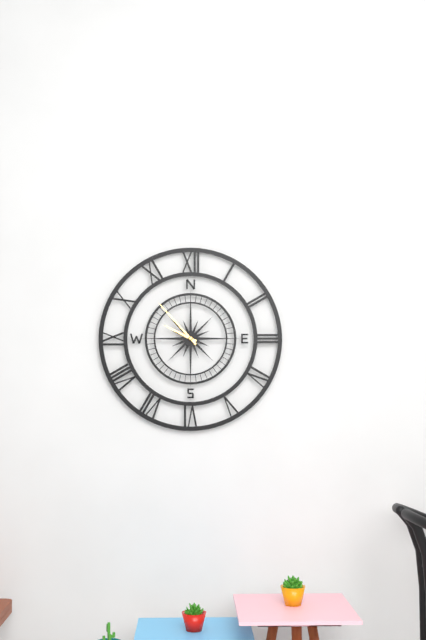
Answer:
h=9 m=53
